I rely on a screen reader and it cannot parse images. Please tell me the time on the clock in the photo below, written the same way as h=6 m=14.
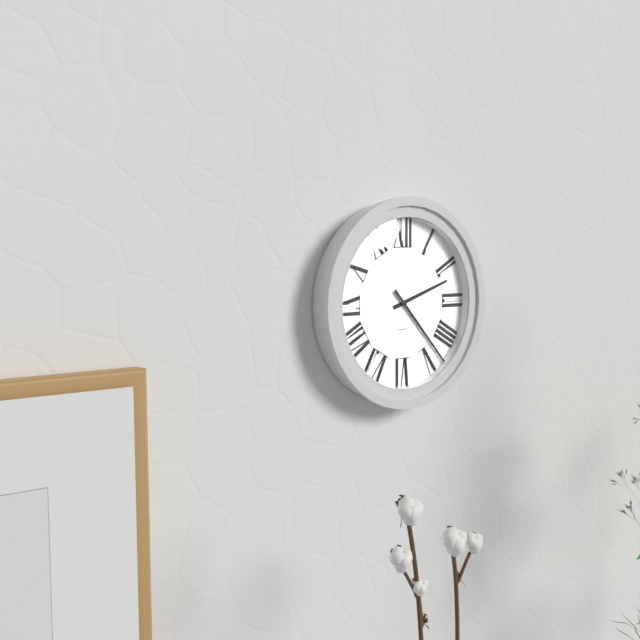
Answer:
h=2 m=23
